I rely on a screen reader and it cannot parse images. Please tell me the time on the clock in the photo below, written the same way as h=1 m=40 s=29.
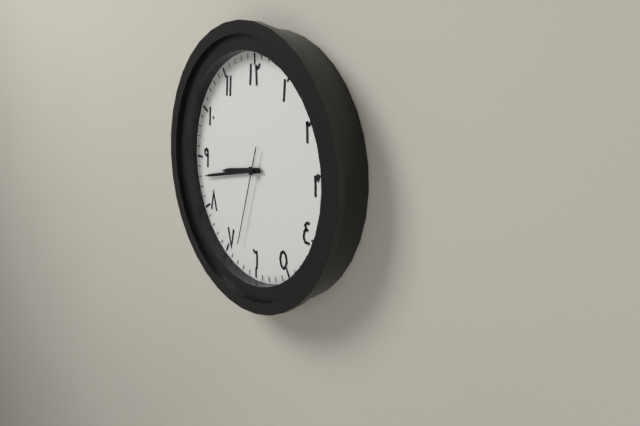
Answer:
h=8 m=43 s=33
